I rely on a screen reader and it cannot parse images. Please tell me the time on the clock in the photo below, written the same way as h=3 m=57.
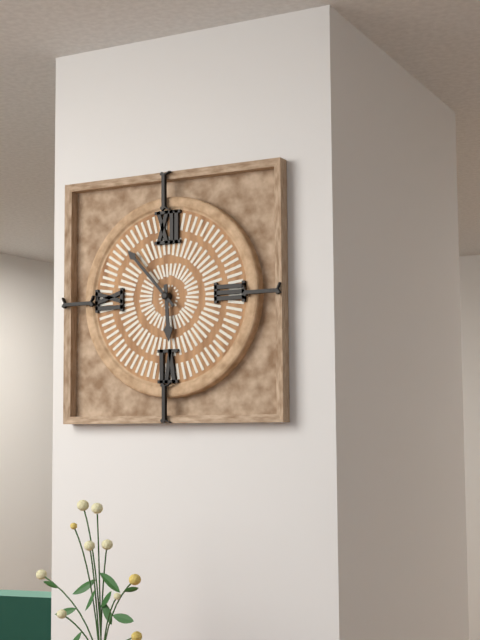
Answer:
h=5 m=53
